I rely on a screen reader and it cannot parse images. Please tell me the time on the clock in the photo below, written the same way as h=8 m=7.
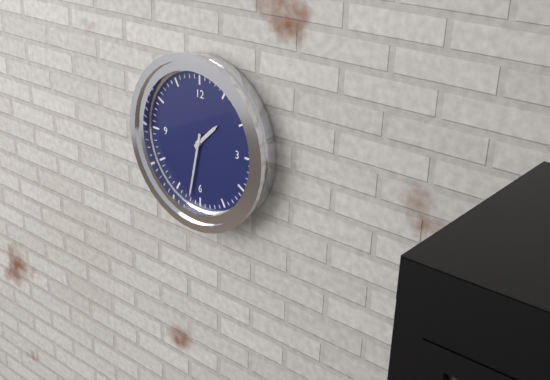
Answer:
h=1 m=32
